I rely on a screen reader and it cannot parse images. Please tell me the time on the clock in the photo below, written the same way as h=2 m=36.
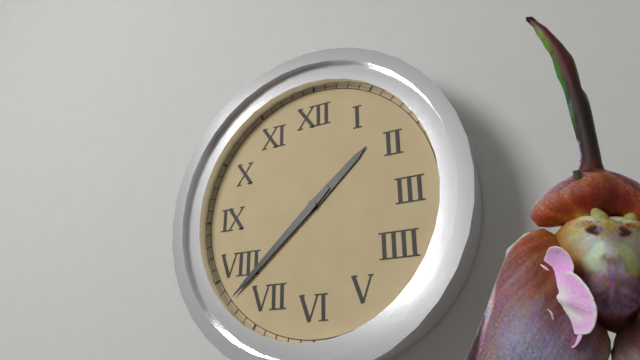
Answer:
h=1 m=38
